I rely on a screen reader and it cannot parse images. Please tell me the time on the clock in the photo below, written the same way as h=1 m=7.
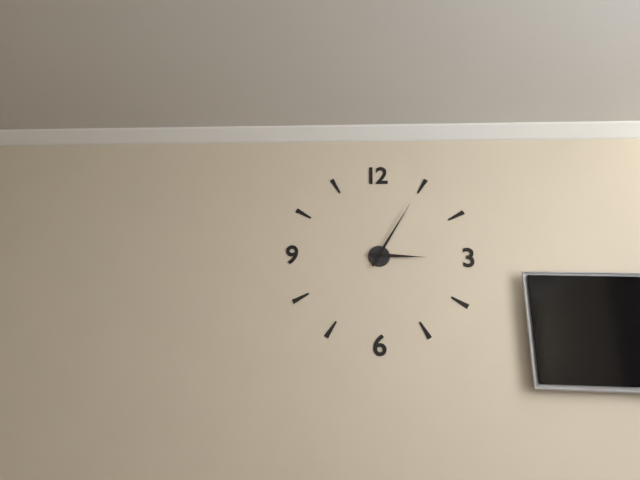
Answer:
h=3 m=5
